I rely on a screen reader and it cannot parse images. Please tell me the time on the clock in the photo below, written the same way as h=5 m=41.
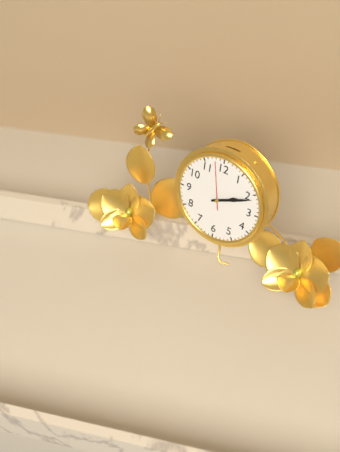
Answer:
h=2 m=11
